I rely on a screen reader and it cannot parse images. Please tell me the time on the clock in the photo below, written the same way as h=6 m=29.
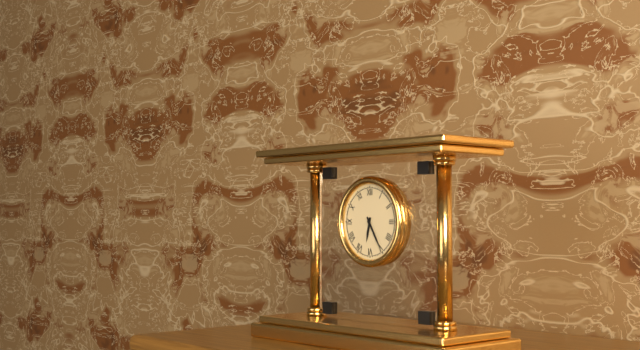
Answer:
h=6 m=25
